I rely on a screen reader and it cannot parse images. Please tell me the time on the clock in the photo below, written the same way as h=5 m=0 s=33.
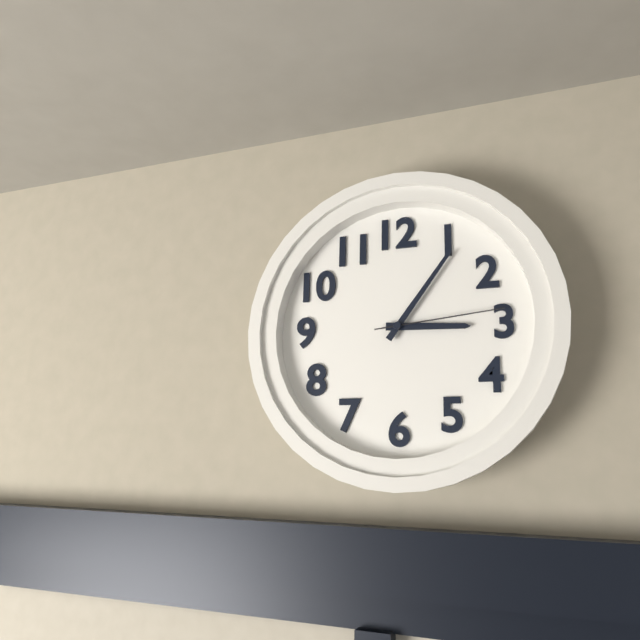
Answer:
h=3 m=6 s=14
